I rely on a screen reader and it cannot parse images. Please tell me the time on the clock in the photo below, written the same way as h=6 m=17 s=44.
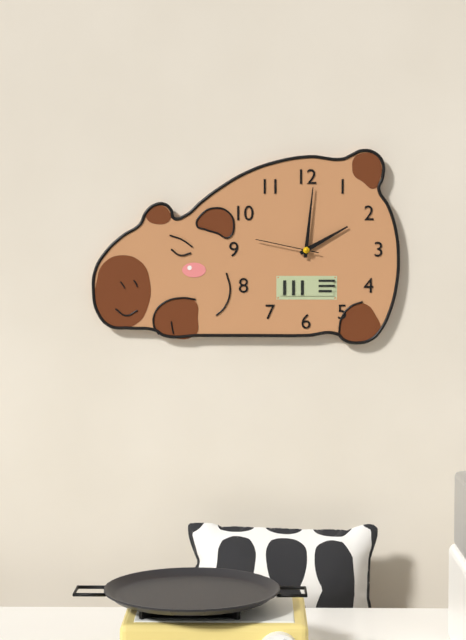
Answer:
h=2 m=1 s=47
